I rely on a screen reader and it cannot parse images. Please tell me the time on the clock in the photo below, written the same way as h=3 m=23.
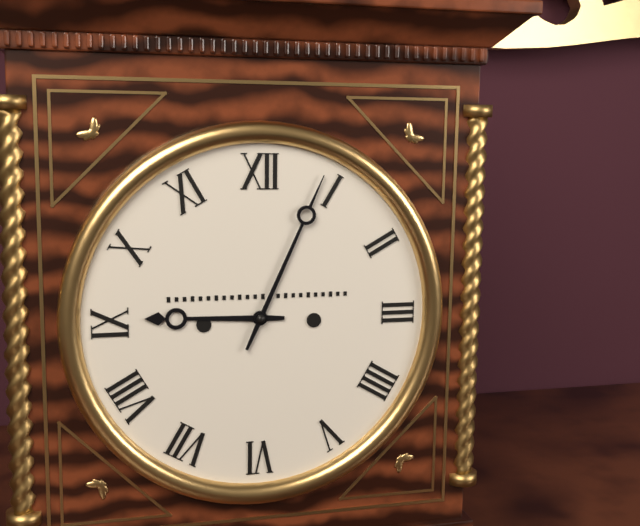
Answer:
h=9 m=4
